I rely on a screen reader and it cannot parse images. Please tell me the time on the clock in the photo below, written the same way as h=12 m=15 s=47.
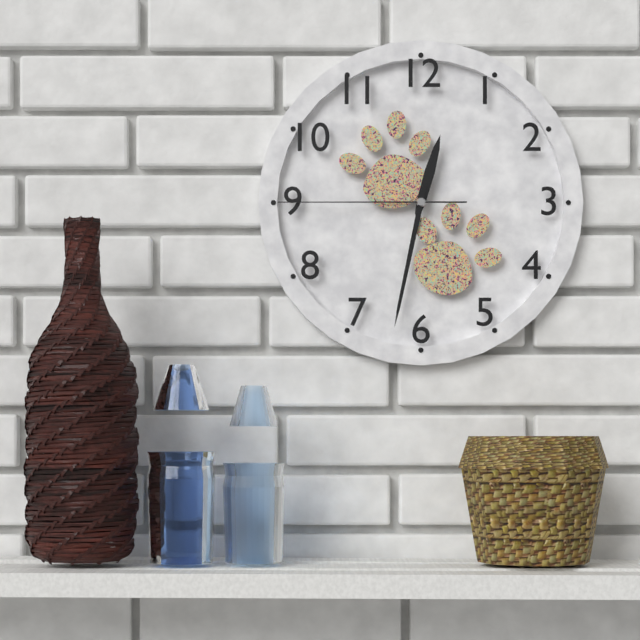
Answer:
h=12 m=32 s=45
